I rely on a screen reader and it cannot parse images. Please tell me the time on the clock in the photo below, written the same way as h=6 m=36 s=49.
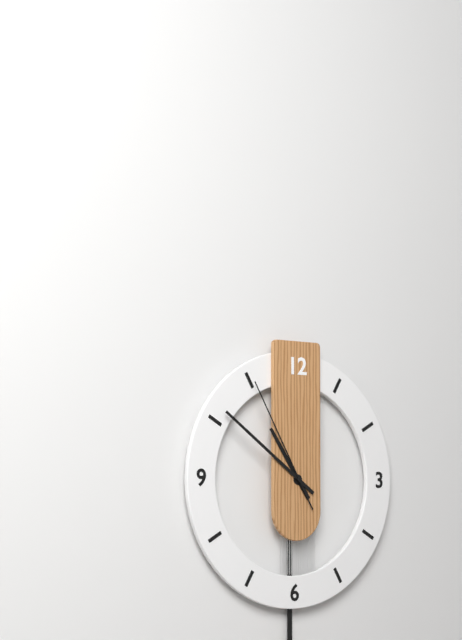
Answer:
h=10 m=51 s=55
